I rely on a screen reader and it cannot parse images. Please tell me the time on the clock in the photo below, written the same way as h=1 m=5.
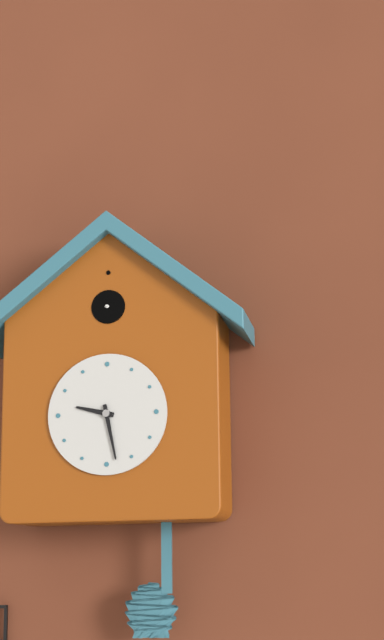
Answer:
h=9 m=28
